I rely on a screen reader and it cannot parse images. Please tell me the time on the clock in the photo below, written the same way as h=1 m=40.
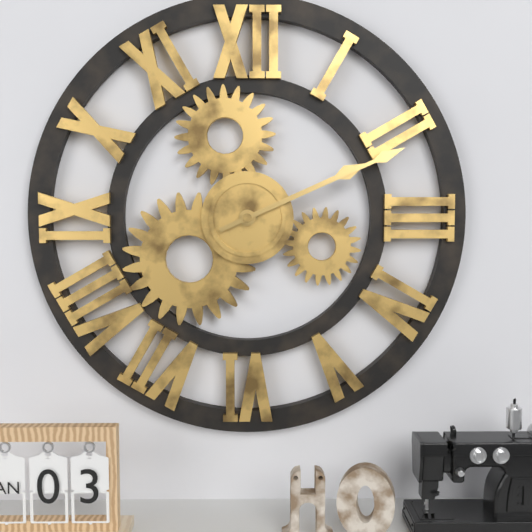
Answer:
h=2 m=11
